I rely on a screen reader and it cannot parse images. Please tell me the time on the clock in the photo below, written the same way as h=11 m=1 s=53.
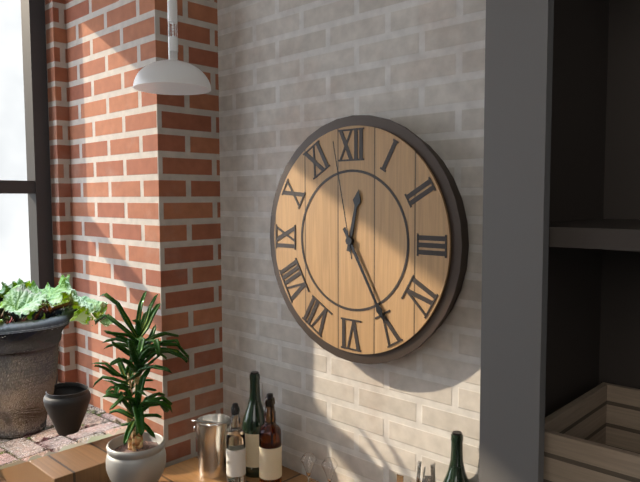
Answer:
h=12 m=25 s=58
